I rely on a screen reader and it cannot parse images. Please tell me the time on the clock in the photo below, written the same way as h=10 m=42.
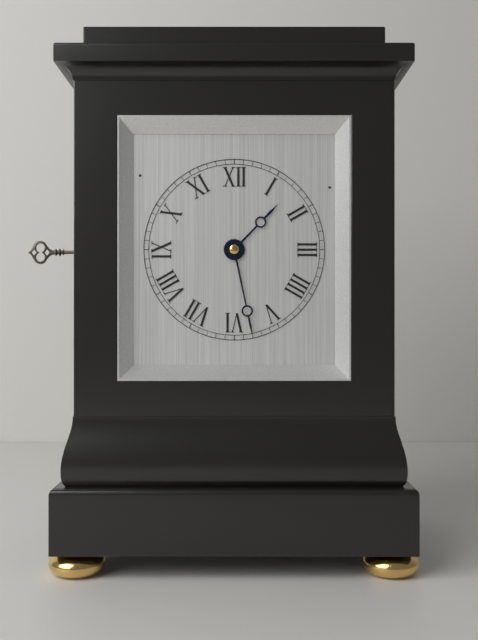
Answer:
h=1 m=28
